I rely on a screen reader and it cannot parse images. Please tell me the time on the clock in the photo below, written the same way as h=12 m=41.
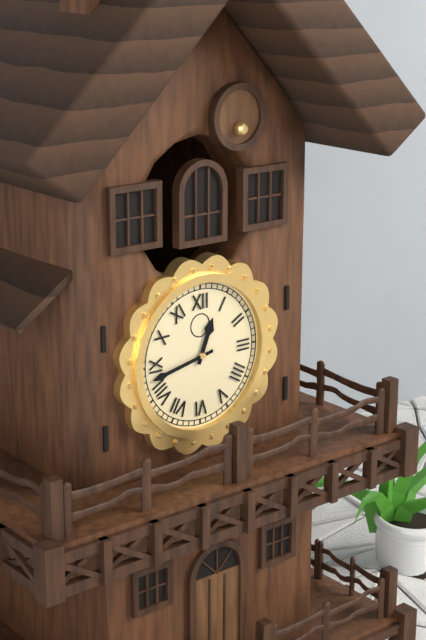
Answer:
h=12 m=43
